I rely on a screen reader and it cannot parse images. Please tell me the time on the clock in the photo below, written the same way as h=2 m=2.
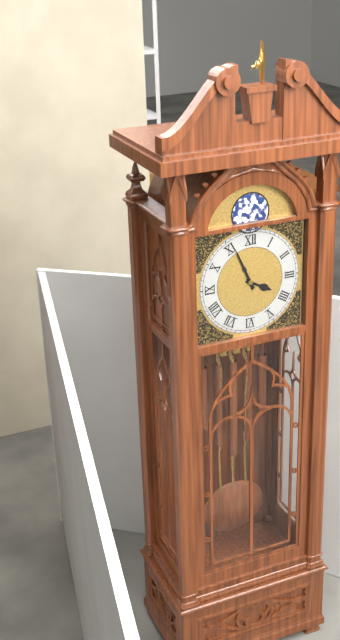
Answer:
h=3 m=56
